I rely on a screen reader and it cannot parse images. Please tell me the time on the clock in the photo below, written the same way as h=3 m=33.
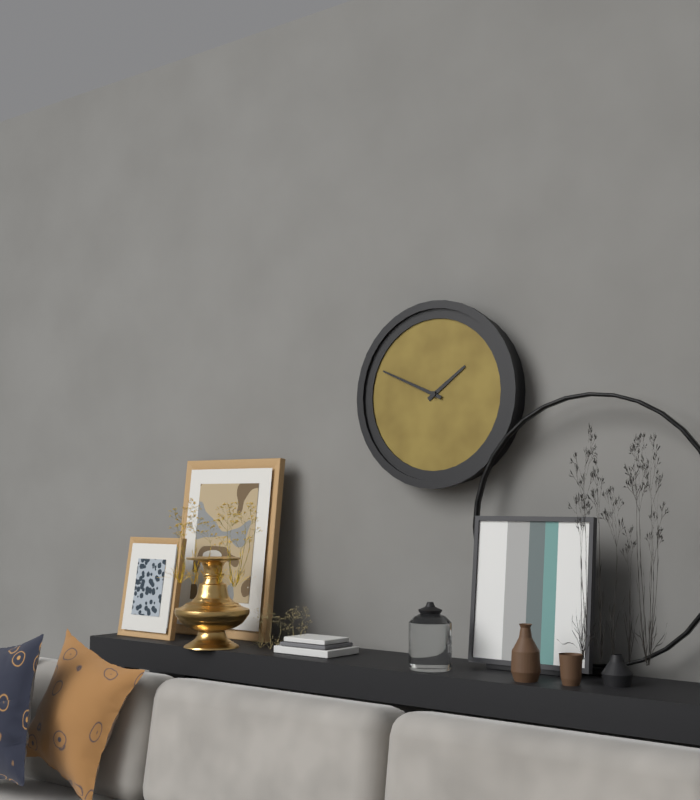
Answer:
h=1 m=49
